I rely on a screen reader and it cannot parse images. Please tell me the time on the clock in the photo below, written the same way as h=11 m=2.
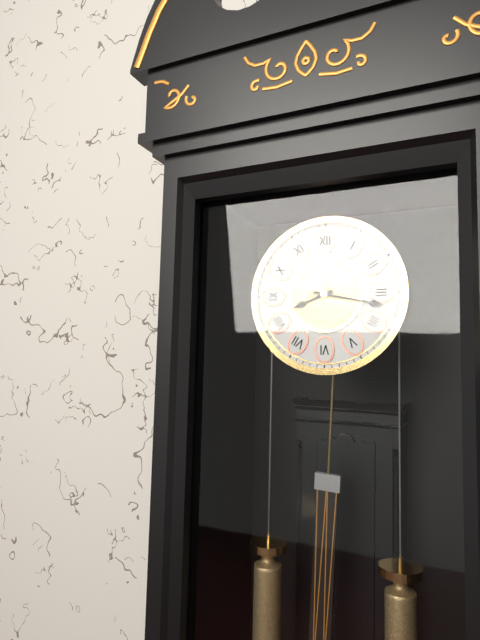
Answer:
h=8 m=17
